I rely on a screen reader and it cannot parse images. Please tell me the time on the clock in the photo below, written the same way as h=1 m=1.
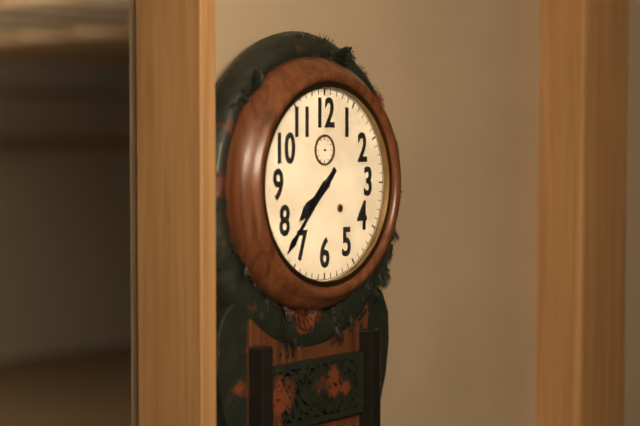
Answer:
h=7 m=37
